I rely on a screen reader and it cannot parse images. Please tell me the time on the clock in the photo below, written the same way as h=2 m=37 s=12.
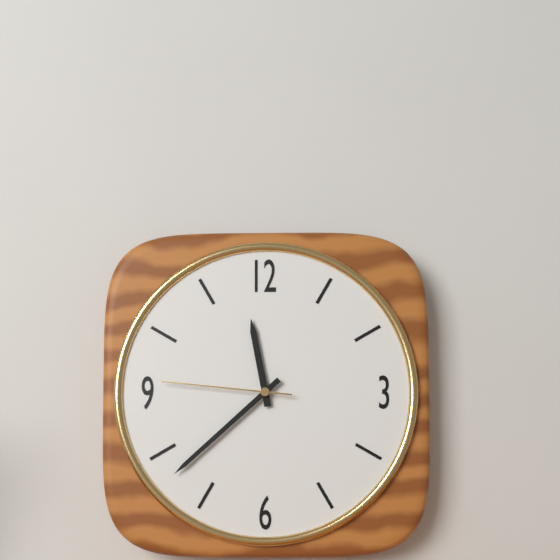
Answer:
h=11 m=38 s=46
